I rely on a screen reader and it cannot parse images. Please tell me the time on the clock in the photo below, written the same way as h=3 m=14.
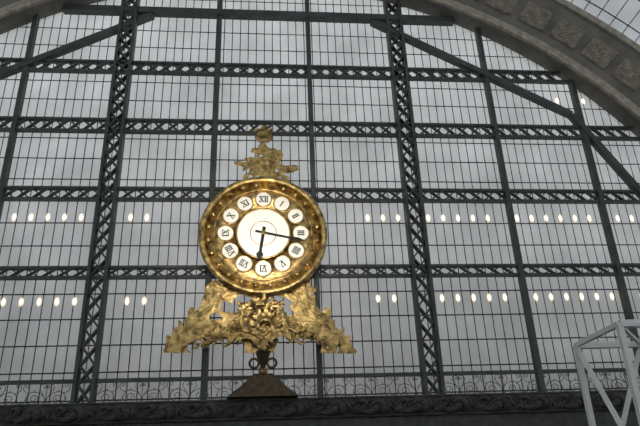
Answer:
h=6 m=17
